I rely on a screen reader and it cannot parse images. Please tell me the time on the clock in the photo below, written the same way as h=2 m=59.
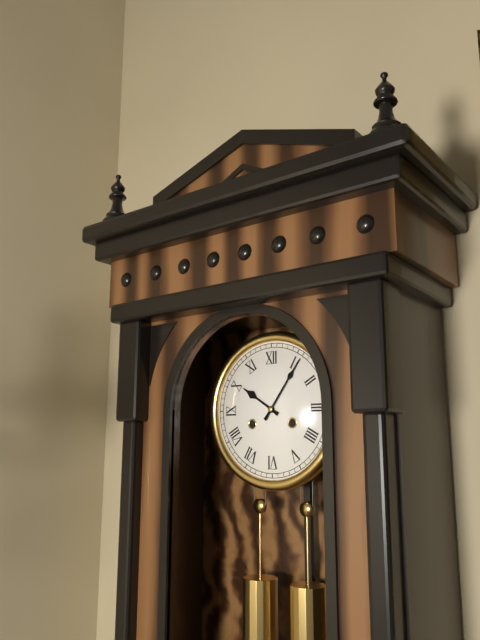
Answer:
h=10 m=6
